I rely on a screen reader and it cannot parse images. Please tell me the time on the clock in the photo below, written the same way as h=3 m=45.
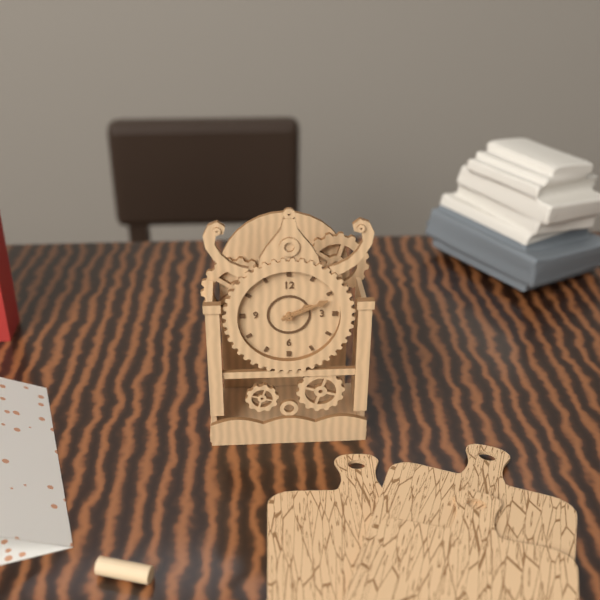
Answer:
h=2 m=11
